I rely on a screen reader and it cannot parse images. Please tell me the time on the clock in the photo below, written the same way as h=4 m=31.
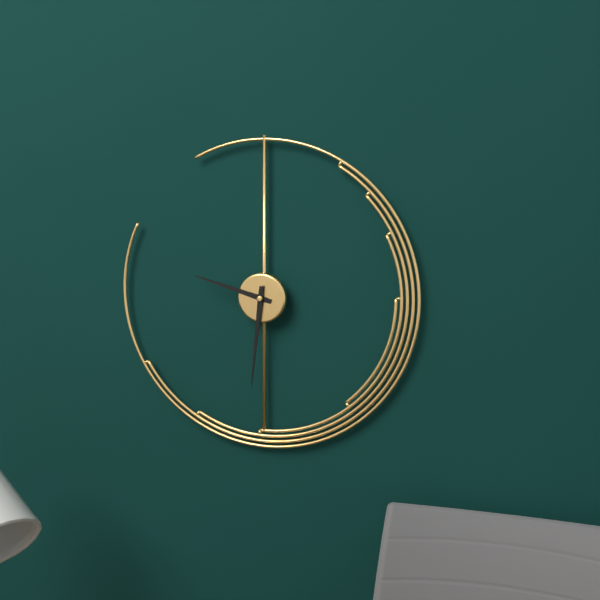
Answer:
h=9 m=31
